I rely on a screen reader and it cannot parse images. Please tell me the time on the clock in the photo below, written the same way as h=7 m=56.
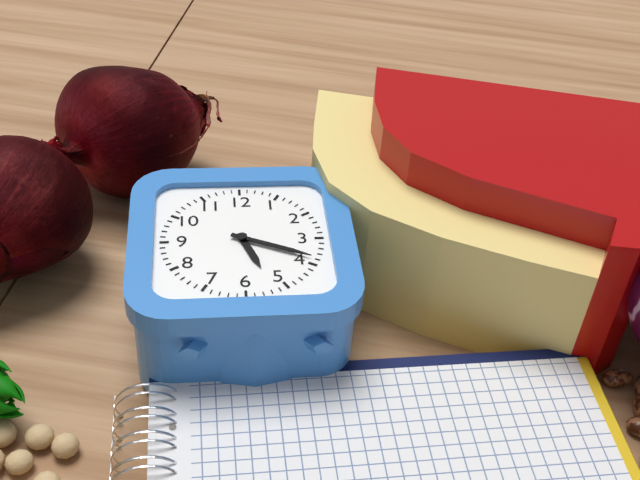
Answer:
h=5 m=19
